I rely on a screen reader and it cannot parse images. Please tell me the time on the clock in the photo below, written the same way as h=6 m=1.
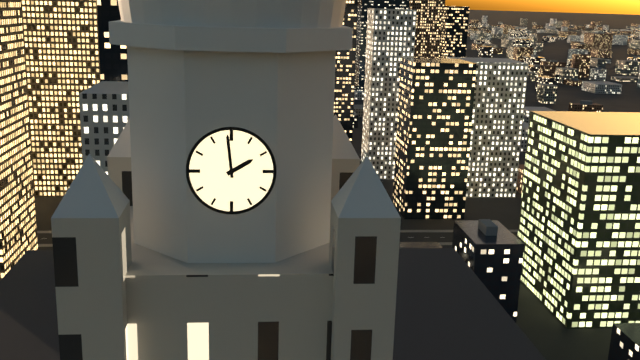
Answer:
h=1 m=59
